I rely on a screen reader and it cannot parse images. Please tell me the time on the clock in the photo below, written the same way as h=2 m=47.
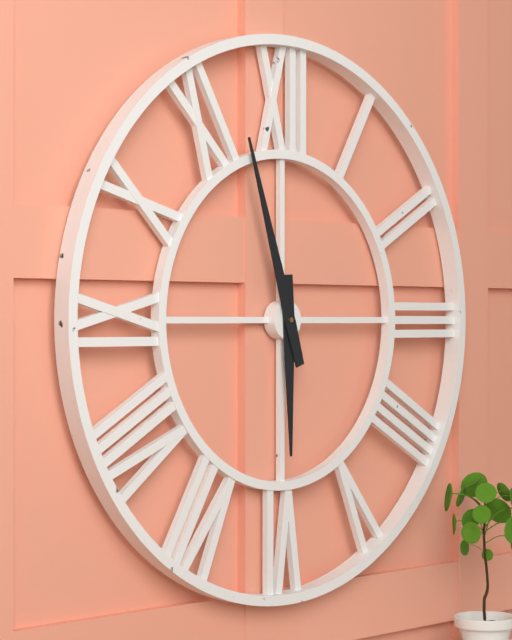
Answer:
h=5 m=57
